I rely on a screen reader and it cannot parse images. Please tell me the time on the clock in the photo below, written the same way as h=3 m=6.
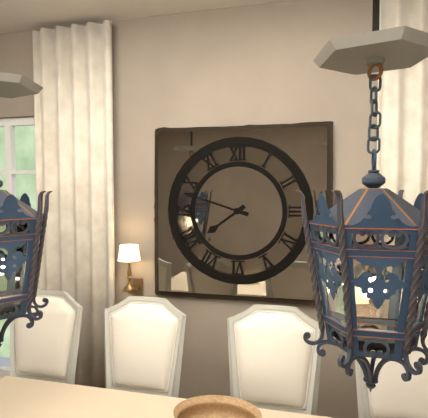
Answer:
h=7 m=48
